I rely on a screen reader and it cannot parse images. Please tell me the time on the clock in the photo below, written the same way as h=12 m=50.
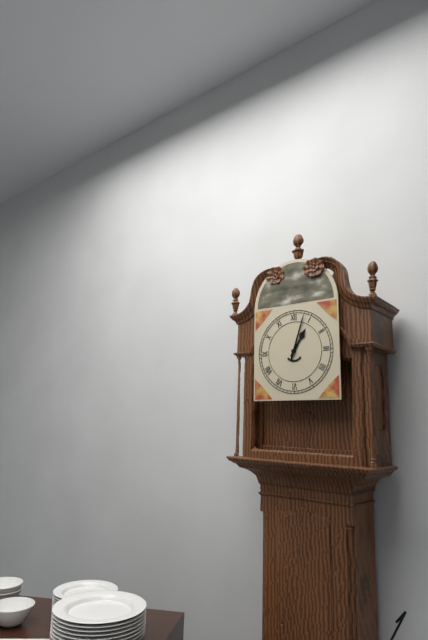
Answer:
h=1 m=3
